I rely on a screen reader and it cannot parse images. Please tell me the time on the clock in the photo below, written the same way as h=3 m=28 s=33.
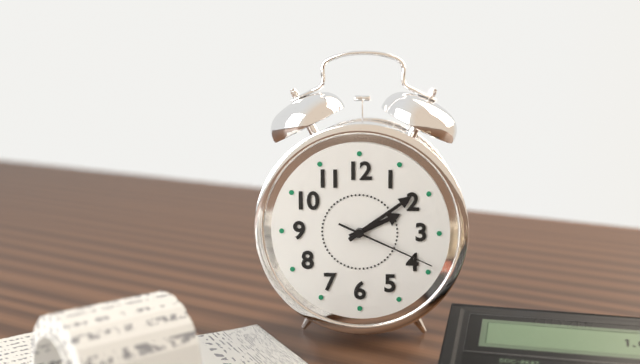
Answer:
h=2 m=9 s=19
